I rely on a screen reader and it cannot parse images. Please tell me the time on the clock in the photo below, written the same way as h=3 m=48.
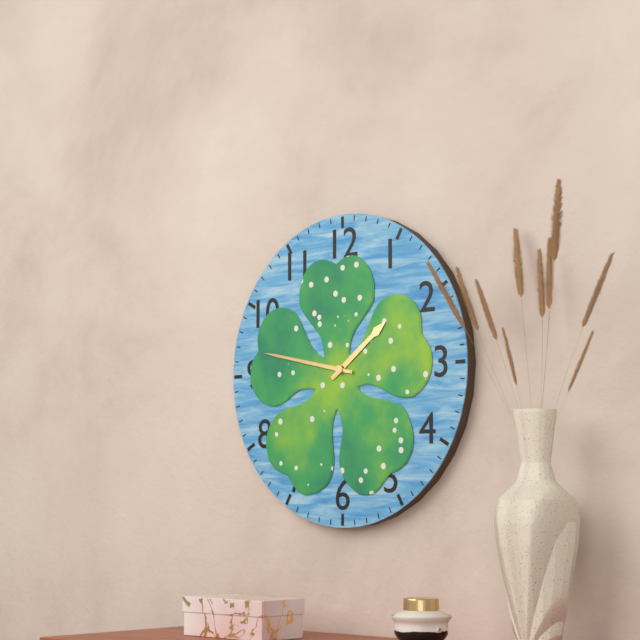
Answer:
h=1 m=47
